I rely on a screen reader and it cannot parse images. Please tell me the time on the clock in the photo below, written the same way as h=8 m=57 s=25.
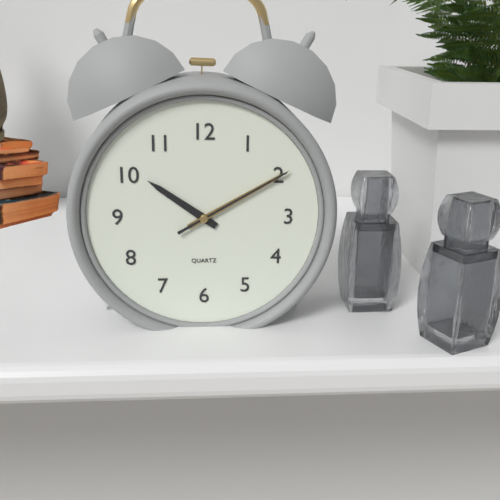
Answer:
h=10 m=10 s=10
